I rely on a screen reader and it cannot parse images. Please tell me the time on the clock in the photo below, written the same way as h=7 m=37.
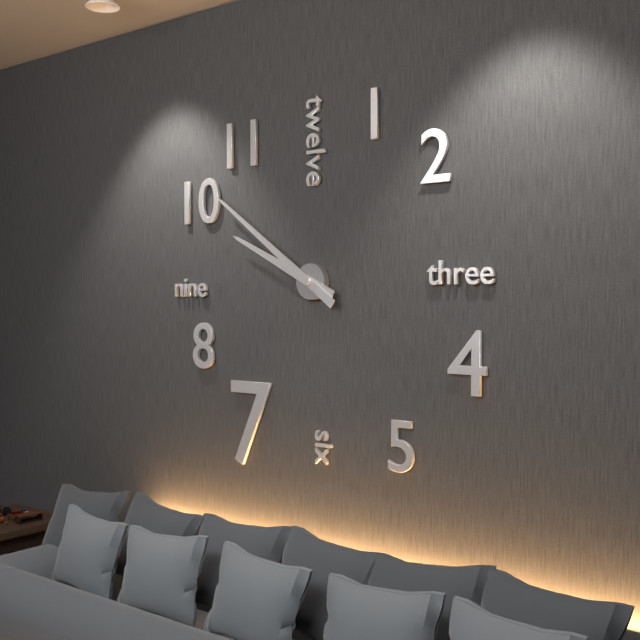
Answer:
h=9 m=51
